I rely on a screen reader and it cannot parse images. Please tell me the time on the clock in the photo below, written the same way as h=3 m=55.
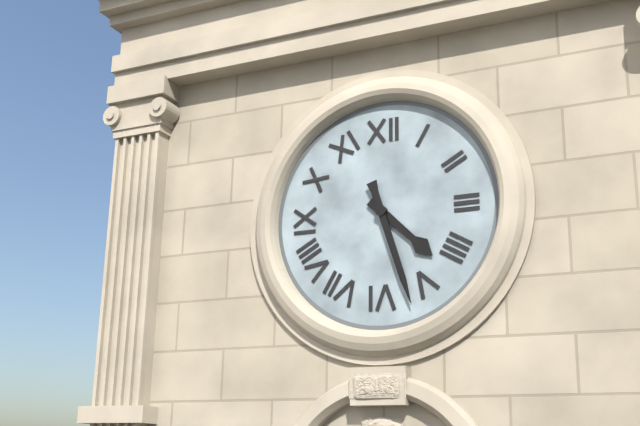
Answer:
h=4 m=27
